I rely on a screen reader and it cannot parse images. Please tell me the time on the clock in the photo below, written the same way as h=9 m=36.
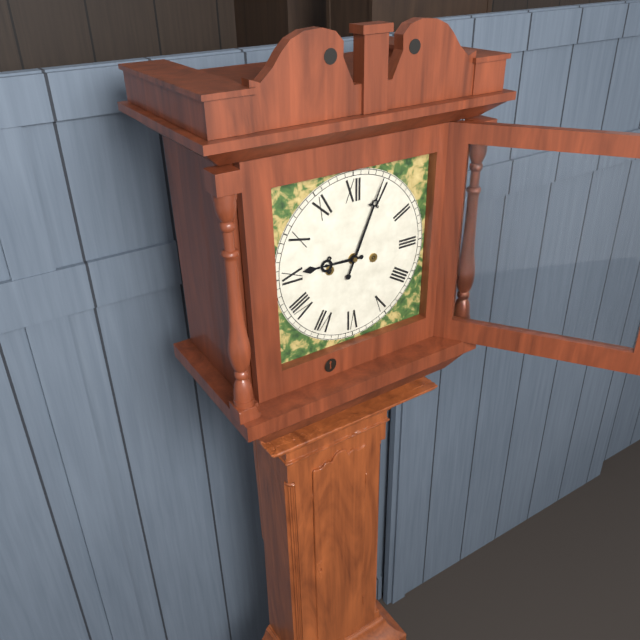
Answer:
h=9 m=4
